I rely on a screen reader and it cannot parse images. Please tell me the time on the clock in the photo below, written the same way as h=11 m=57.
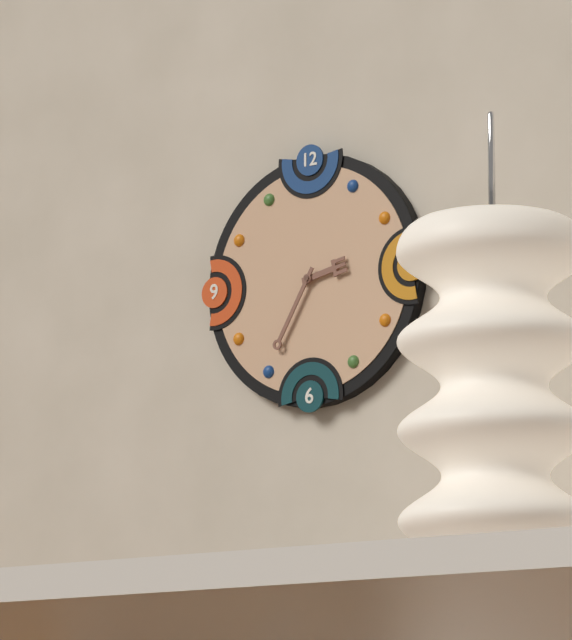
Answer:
h=2 m=35
